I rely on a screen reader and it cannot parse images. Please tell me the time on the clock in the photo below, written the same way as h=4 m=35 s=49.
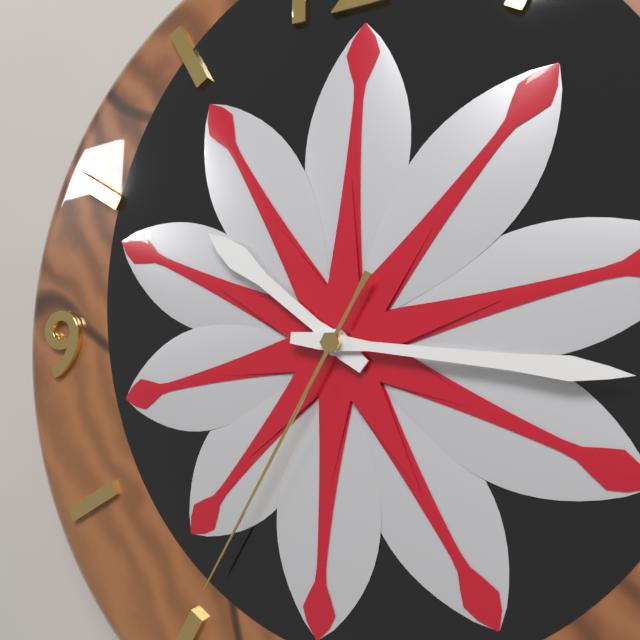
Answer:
h=10 m=16 s=35
